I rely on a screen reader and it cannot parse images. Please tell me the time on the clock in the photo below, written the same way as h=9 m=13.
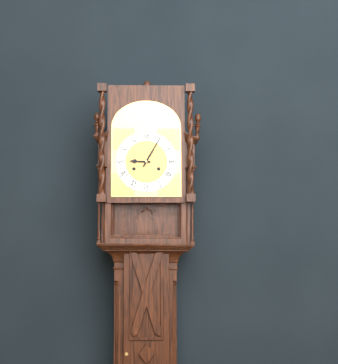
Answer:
h=9 m=5
